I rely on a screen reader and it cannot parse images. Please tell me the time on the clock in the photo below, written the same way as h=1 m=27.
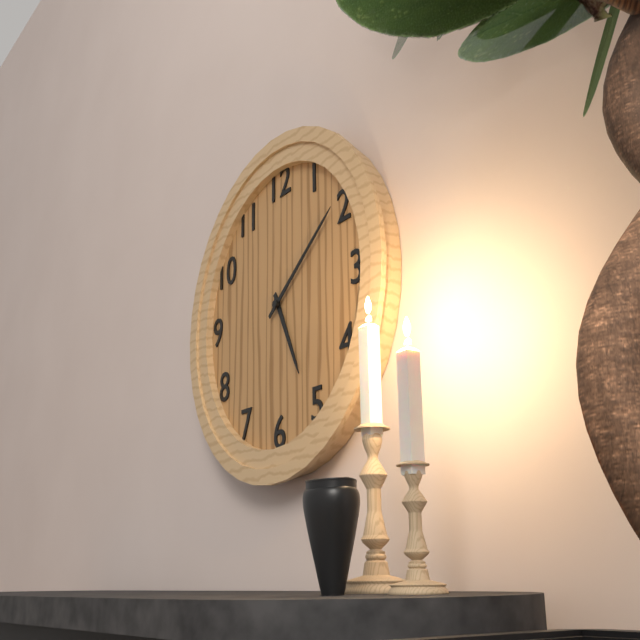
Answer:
h=5 m=9
